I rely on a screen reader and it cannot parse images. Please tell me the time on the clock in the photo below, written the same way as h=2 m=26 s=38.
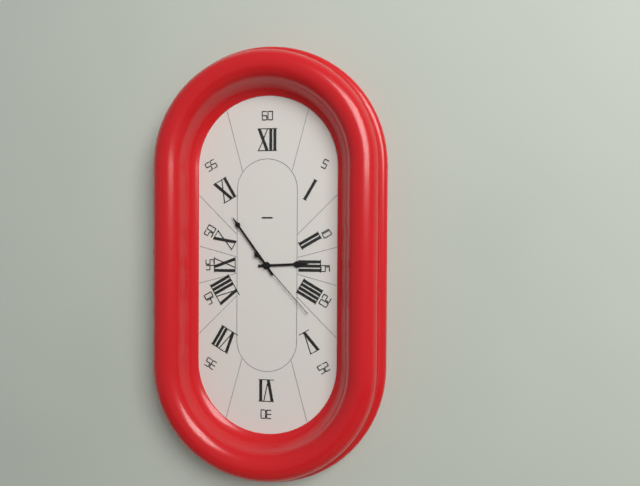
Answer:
h=2 m=54 s=23
